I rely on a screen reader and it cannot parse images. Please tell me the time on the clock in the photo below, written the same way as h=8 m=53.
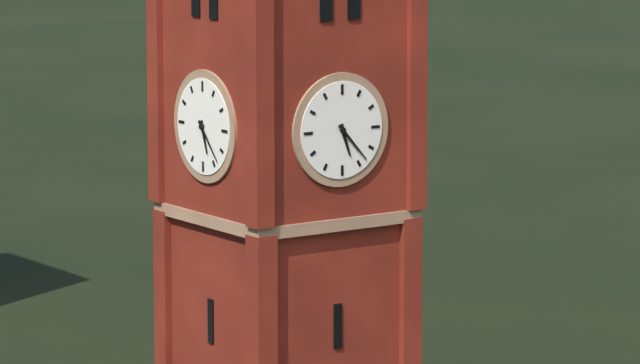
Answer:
h=5 m=23
